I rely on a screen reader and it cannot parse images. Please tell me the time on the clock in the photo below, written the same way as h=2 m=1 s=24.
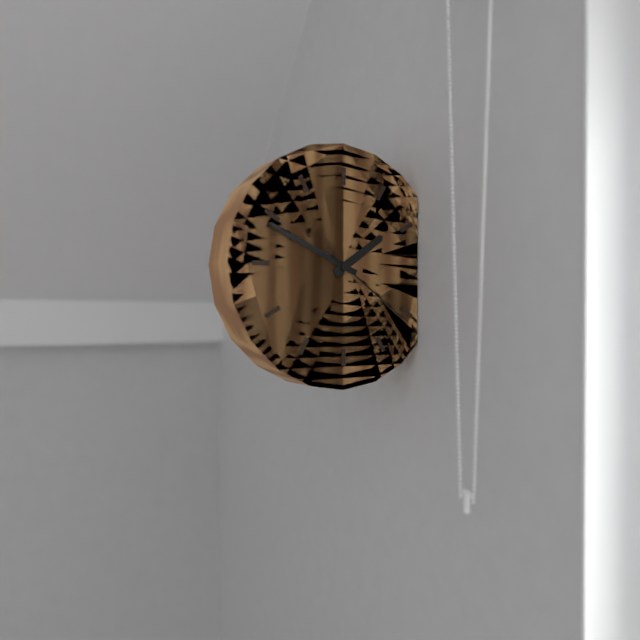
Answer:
h=1 m=49 s=21
